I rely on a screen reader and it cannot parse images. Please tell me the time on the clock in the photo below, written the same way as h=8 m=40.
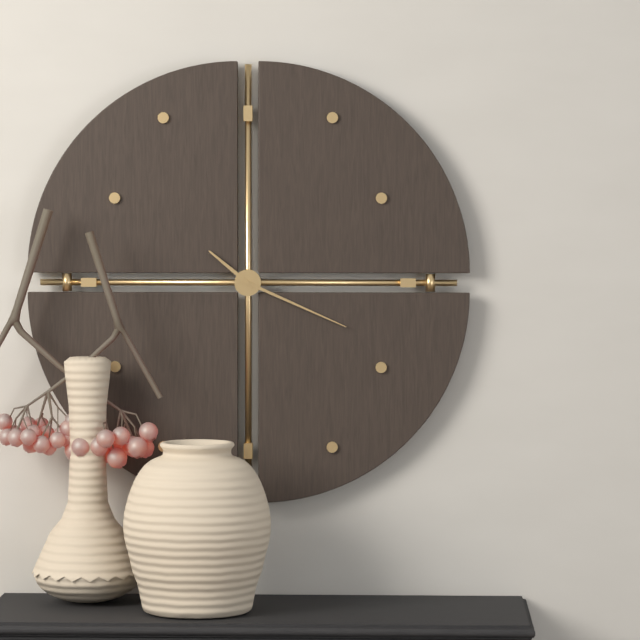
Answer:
h=10 m=19
